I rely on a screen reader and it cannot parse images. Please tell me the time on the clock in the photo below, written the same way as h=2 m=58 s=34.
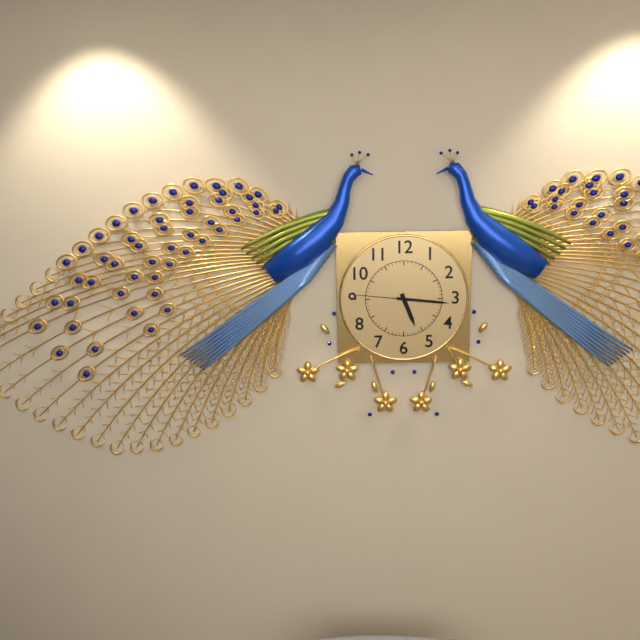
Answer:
h=5 m=16 s=46
